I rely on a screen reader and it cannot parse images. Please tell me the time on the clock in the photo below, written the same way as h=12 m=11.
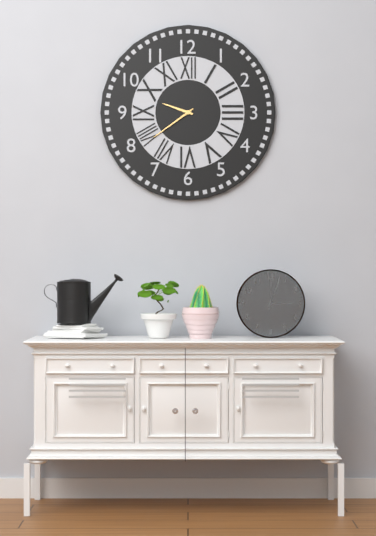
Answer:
h=9 m=39
